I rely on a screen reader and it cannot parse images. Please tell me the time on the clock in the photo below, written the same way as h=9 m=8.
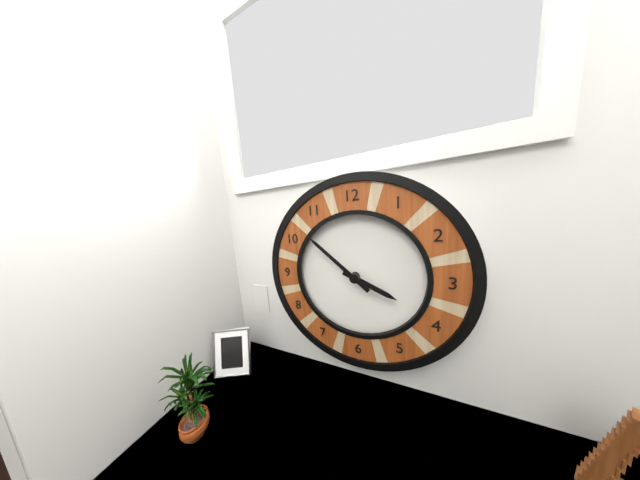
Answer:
h=3 m=52
